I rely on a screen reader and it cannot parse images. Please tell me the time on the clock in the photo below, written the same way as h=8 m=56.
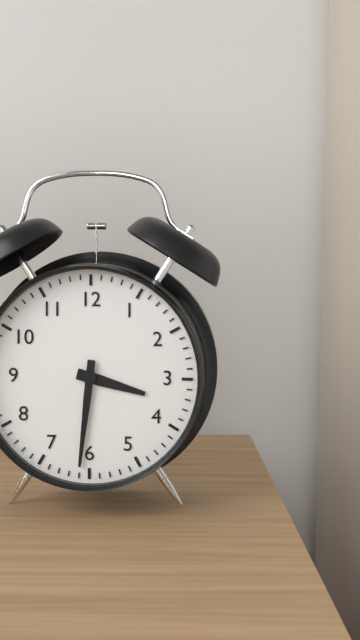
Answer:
h=3 m=31
